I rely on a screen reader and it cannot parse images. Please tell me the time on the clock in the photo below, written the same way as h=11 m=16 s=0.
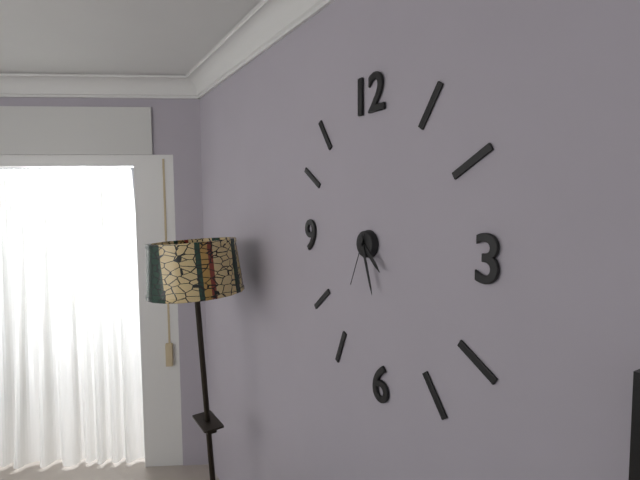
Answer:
h=4 m=27 s=34
